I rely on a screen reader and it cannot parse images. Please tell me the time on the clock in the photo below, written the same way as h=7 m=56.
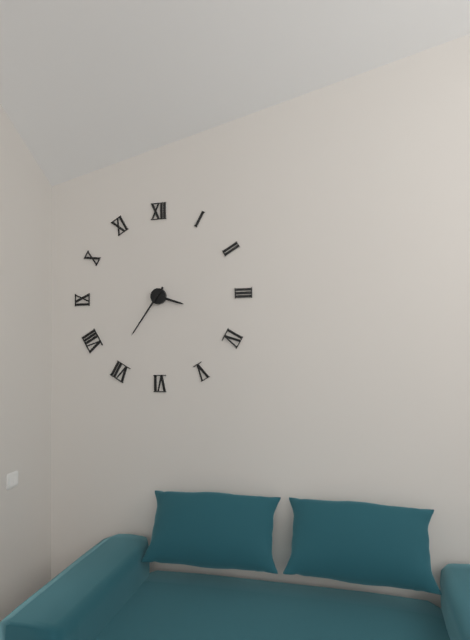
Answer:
h=3 m=36
